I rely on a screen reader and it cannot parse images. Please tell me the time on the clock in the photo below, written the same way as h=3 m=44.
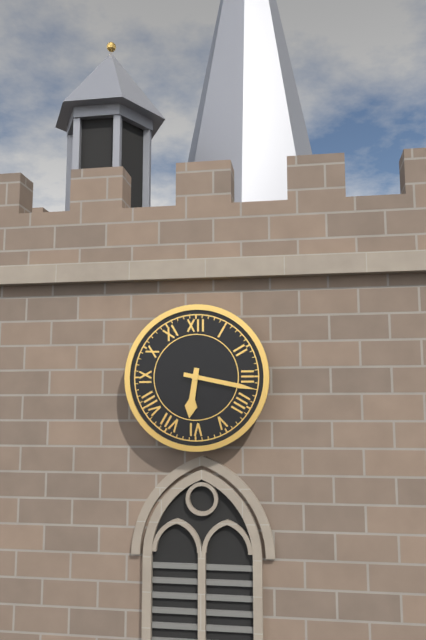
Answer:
h=6 m=17
